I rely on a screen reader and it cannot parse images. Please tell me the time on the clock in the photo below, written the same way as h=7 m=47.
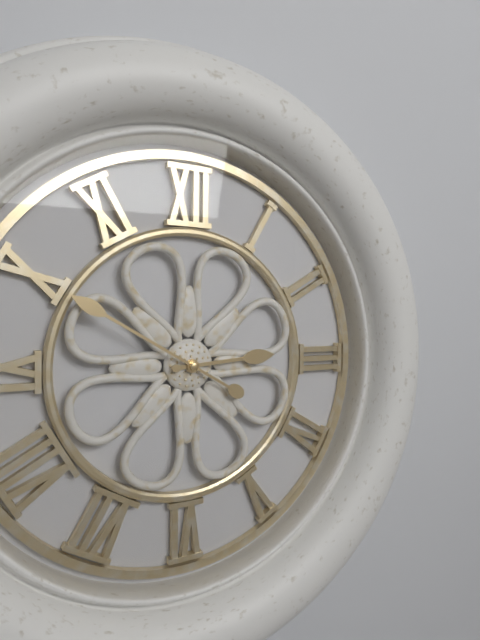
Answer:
h=2 m=50
